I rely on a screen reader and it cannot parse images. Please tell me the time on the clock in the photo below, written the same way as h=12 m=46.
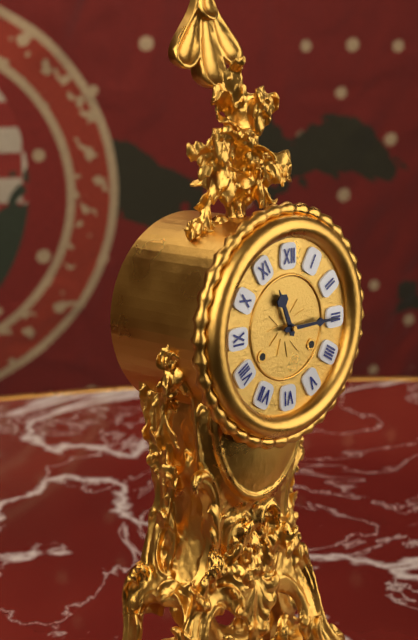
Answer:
h=11 m=15
